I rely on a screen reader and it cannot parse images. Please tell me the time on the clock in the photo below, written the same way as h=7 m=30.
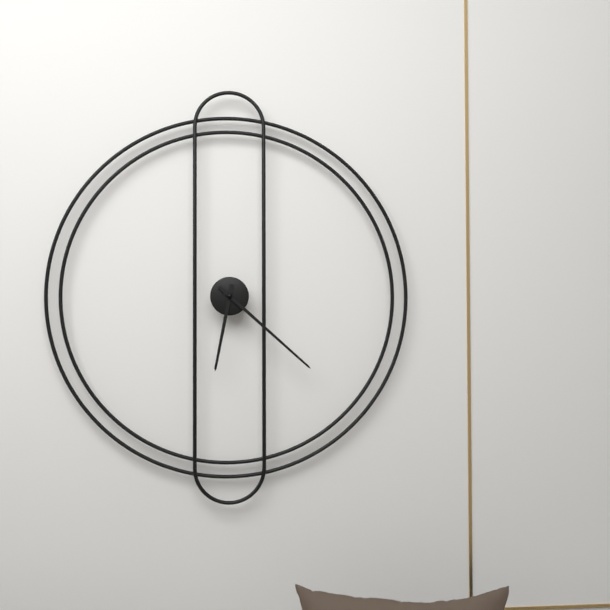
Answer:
h=6 m=22
